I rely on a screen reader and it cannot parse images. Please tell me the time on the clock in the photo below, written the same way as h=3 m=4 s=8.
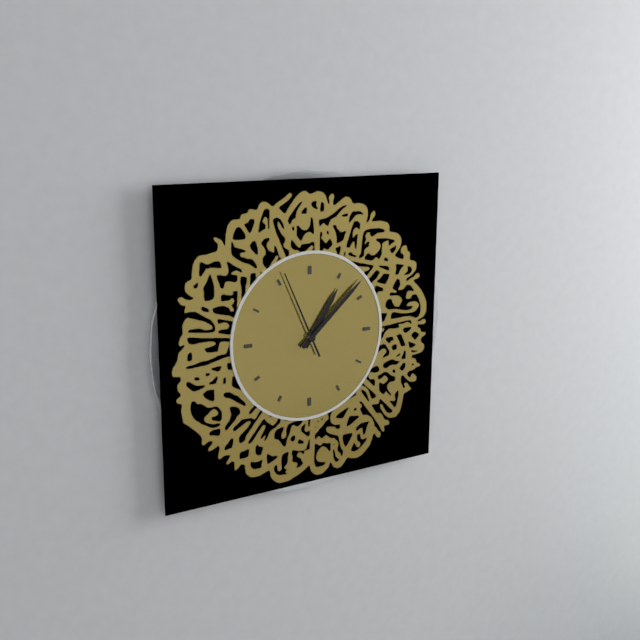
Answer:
h=1 m=8 s=56
